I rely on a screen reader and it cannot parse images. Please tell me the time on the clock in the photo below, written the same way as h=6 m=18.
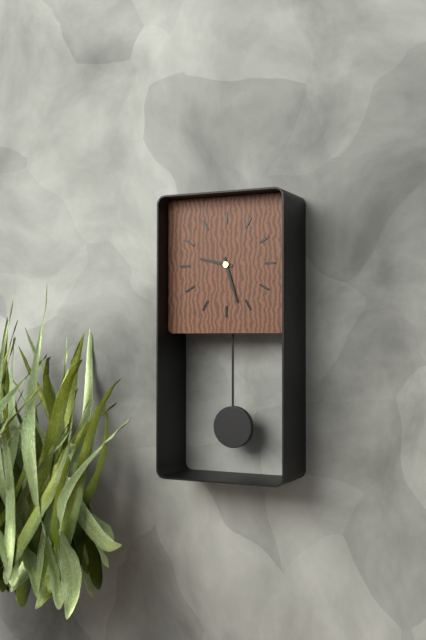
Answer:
h=9 m=27
